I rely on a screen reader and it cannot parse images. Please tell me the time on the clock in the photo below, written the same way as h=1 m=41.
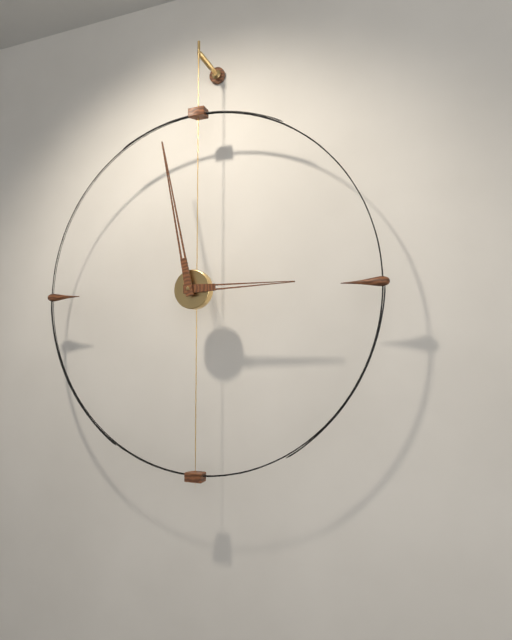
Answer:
h=2 m=58
